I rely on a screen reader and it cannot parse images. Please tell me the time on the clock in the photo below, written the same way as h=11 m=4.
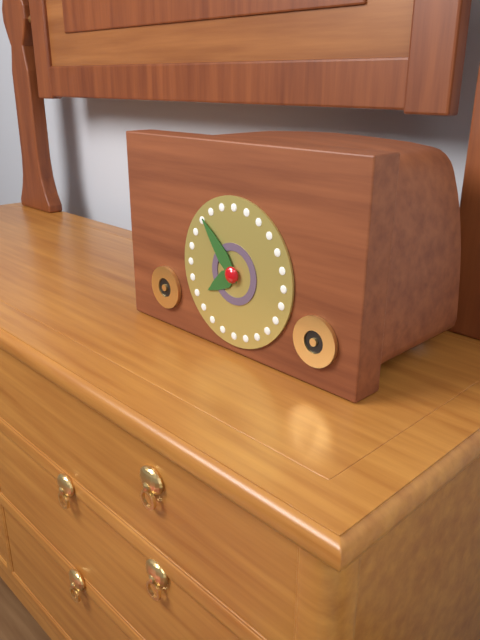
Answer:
h=7 m=53
